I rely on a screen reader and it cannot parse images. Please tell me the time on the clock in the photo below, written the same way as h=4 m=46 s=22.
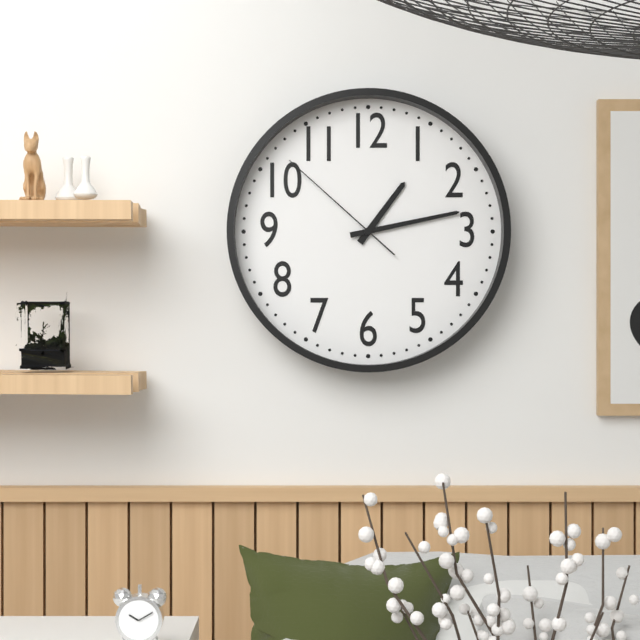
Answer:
h=1 m=13 s=52
